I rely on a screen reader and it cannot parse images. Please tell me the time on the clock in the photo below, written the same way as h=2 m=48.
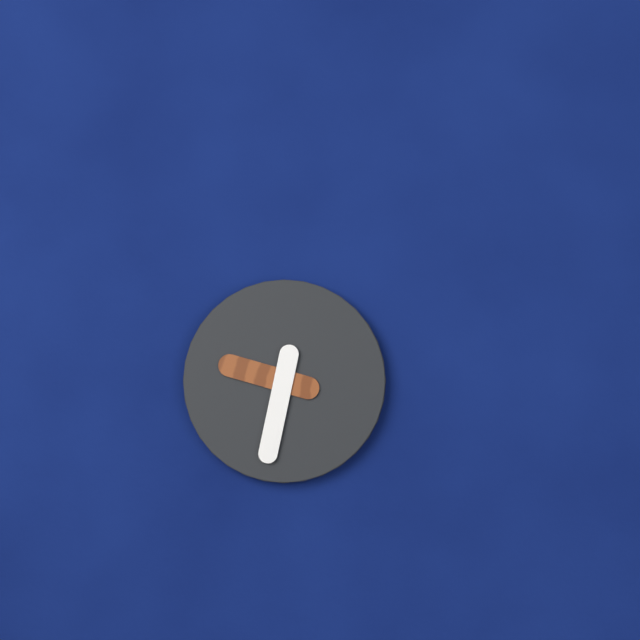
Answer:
h=9 m=32
